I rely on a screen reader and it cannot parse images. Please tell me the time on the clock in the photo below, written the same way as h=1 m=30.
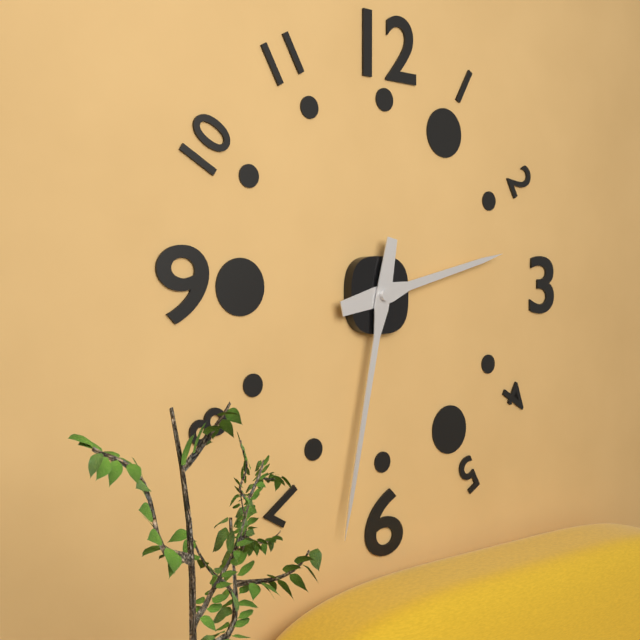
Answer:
h=2 m=32
